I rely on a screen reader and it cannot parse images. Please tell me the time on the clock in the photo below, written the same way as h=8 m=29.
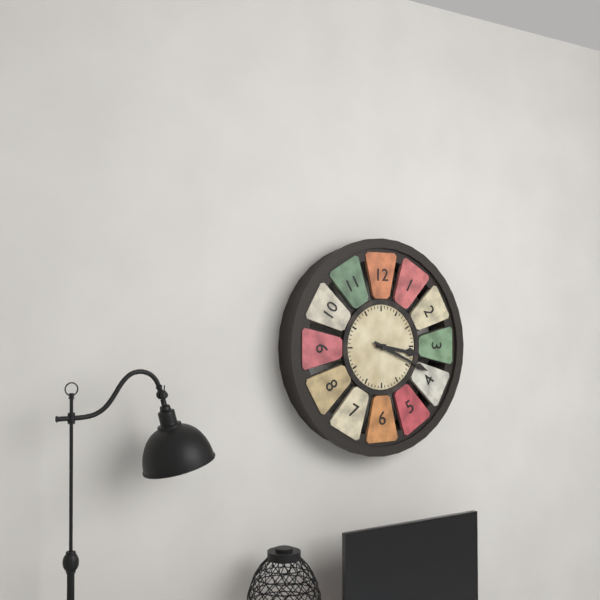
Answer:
h=3 m=19
